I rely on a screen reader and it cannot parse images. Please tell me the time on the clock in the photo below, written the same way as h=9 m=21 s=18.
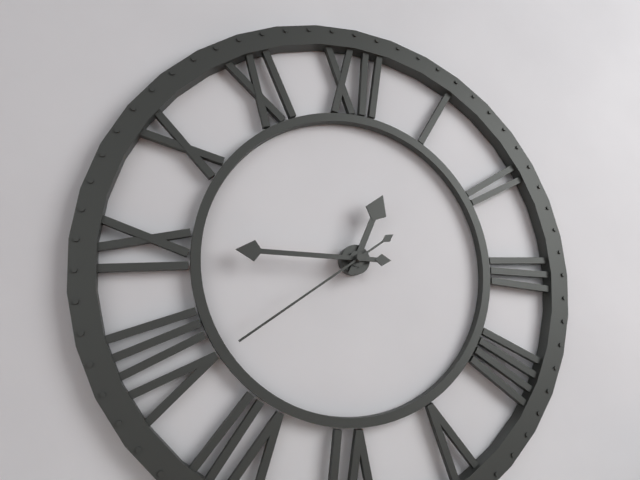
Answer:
h=12 m=45 s=39
